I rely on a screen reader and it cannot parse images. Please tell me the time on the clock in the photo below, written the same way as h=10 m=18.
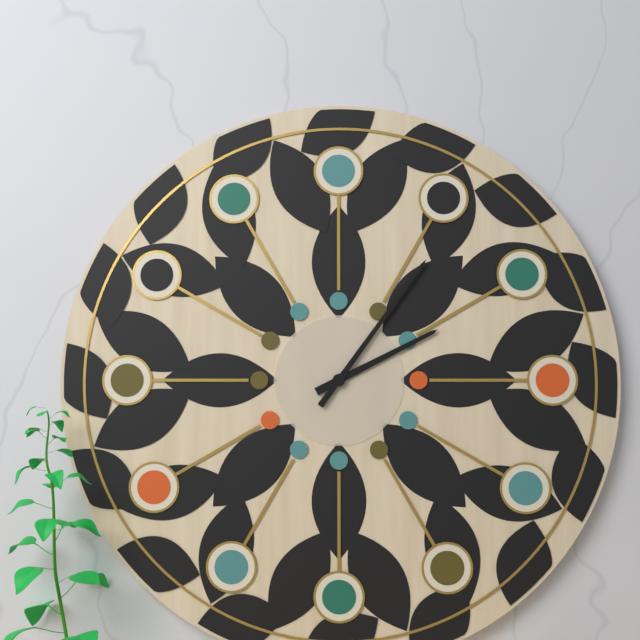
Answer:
h=2 m=6
